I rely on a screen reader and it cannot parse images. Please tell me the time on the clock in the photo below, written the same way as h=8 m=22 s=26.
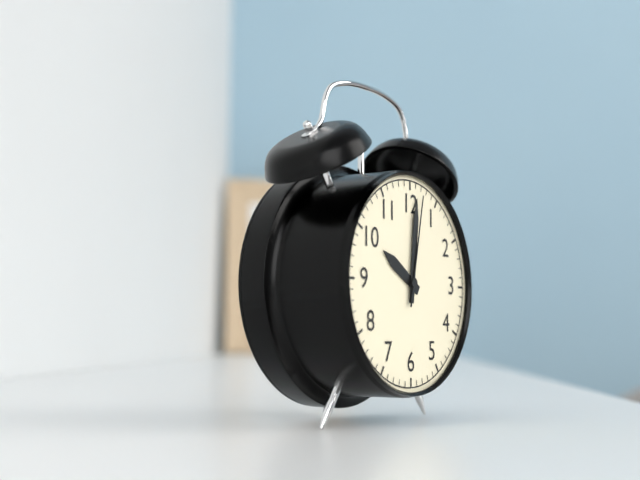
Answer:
h=10 m=1 s=2
